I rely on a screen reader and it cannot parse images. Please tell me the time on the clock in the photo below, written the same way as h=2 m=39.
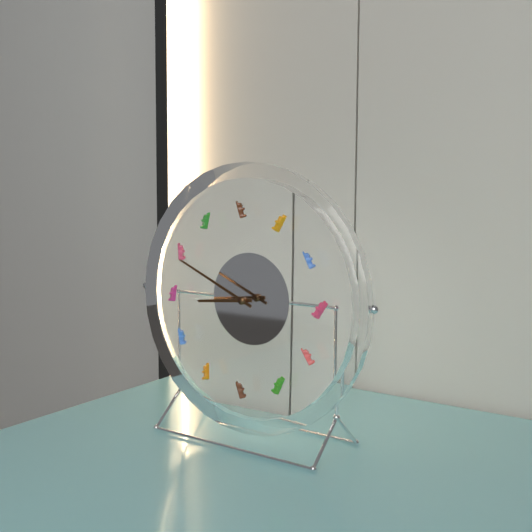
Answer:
h=8 m=49
